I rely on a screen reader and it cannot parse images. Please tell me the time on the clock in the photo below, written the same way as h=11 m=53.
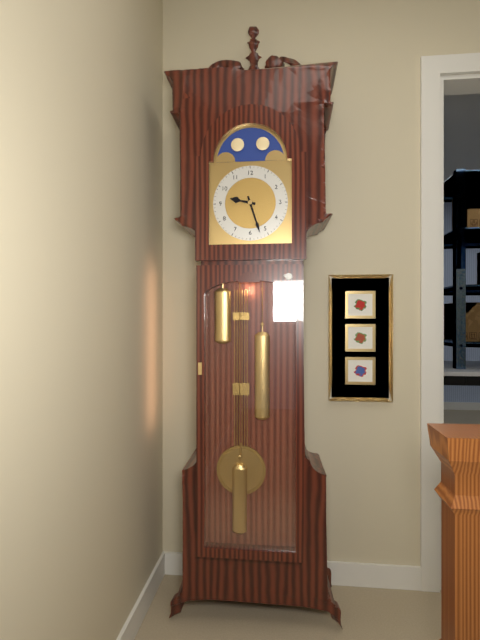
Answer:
h=9 m=27
